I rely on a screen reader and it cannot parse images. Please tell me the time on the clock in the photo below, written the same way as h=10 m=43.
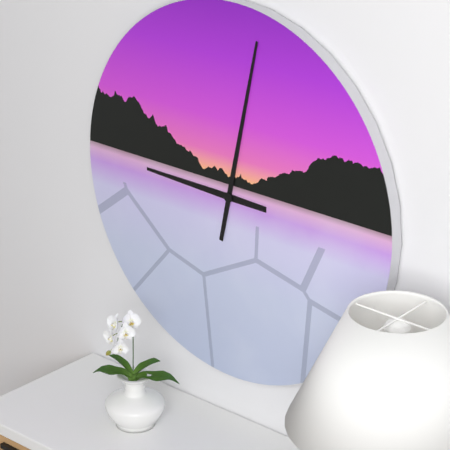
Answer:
h=9 m=2
